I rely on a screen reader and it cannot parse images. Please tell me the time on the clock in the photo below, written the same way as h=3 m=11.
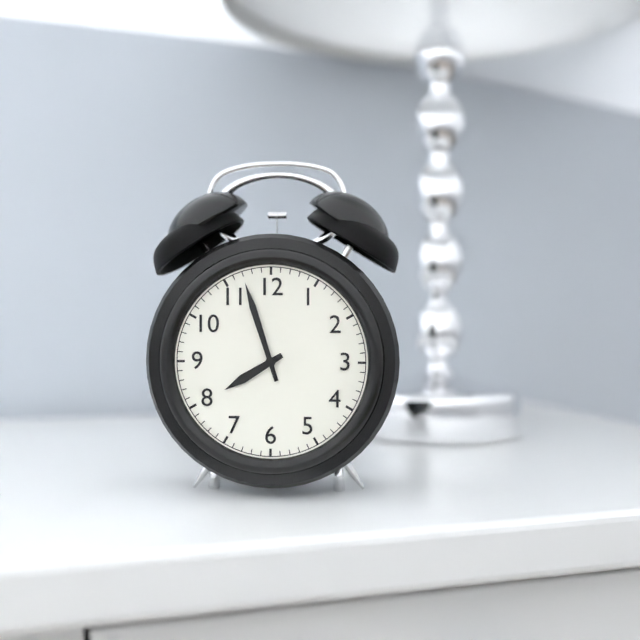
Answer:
h=7 m=57
